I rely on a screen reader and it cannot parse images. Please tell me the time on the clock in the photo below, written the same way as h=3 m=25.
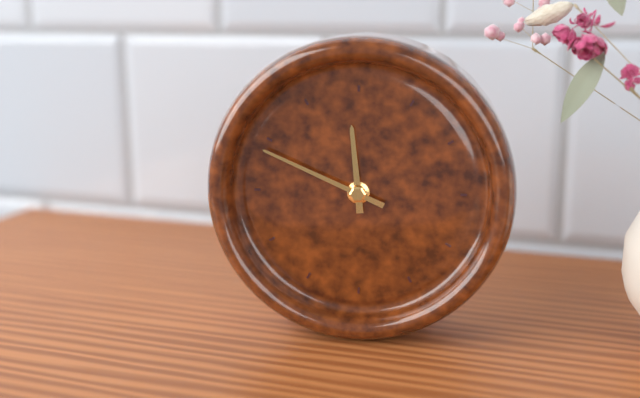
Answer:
h=11 m=49
